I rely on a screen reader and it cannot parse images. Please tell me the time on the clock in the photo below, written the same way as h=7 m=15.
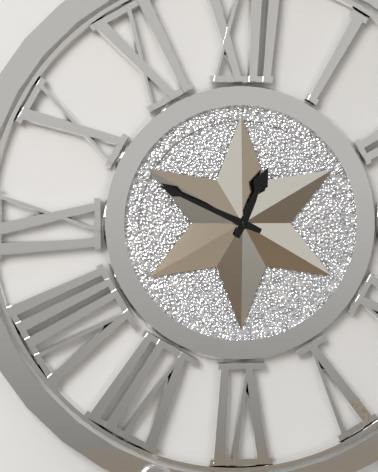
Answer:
h=12 m=49
